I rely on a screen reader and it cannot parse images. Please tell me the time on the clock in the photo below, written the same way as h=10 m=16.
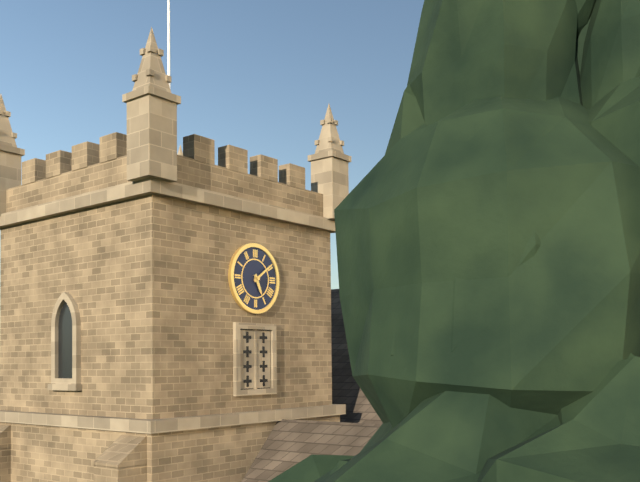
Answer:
h=5 m=9
